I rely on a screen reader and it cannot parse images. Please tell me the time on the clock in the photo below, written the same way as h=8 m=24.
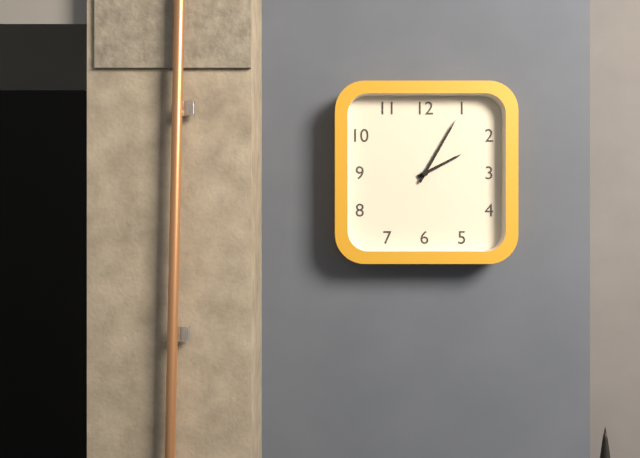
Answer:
h=2 m=5
